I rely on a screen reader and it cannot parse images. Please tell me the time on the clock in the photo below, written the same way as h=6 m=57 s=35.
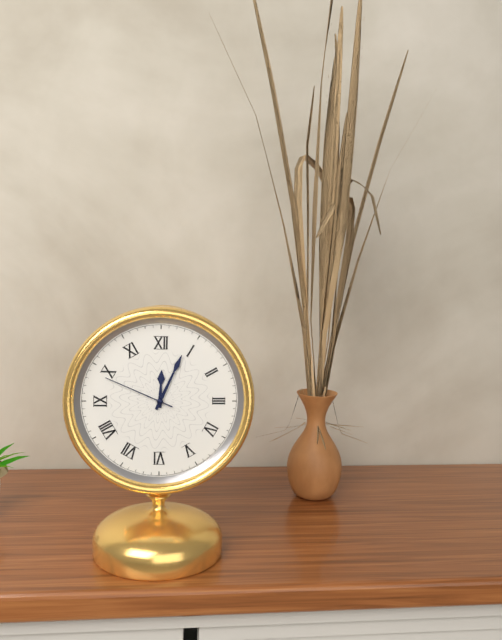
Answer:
h=12 m=4 s=49
